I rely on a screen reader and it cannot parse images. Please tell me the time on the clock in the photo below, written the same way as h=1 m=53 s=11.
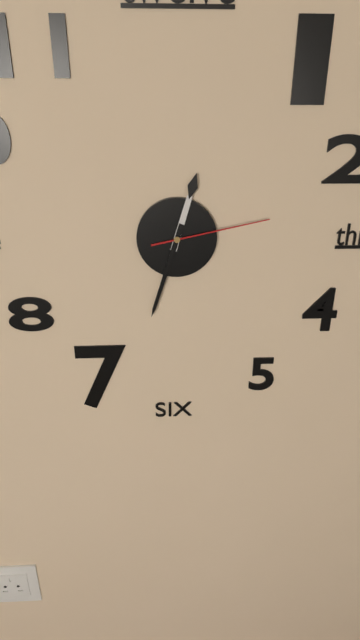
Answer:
h=12 m=33 s=13
